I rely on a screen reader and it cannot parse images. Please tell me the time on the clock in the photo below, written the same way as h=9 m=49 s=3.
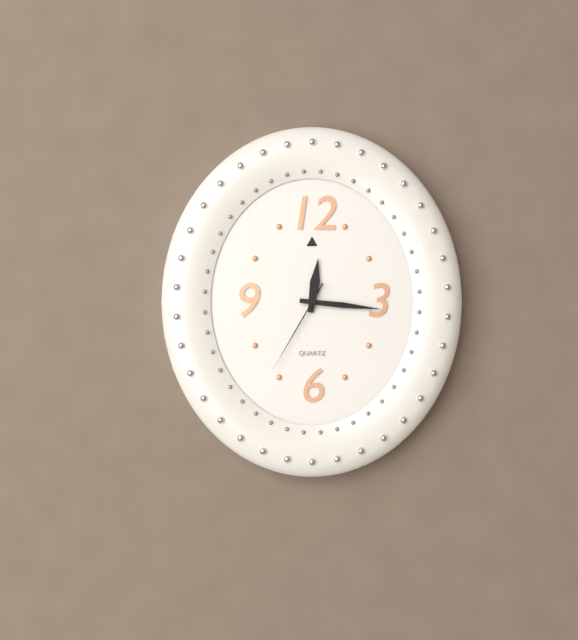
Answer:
h=12 m=16 s=35
